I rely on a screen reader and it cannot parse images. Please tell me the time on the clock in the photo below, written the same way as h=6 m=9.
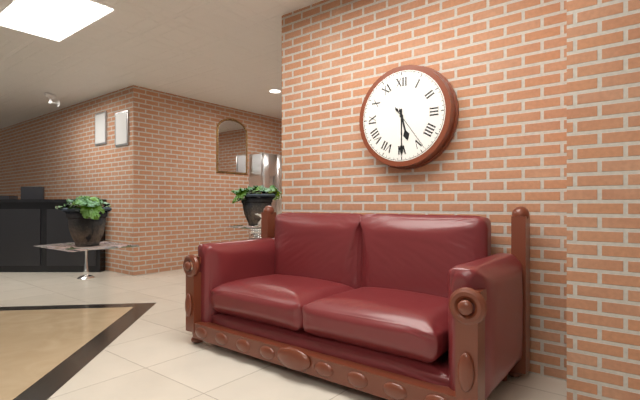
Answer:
h=5 m=30
